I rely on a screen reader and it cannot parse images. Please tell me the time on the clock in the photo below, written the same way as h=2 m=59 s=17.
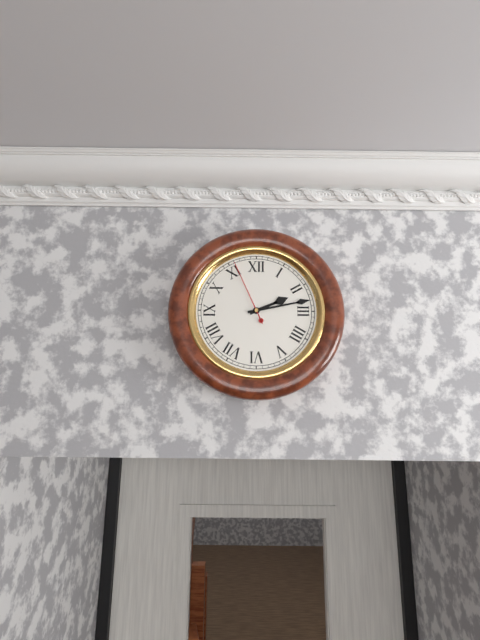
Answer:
h=2 m=13 s=56
